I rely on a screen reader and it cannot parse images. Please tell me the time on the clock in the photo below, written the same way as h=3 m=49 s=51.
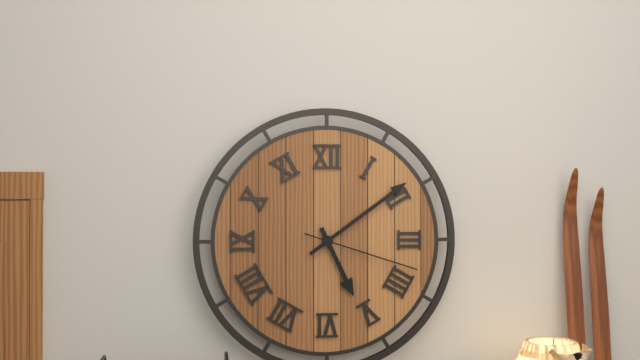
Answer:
h=5 m=9 s=18
